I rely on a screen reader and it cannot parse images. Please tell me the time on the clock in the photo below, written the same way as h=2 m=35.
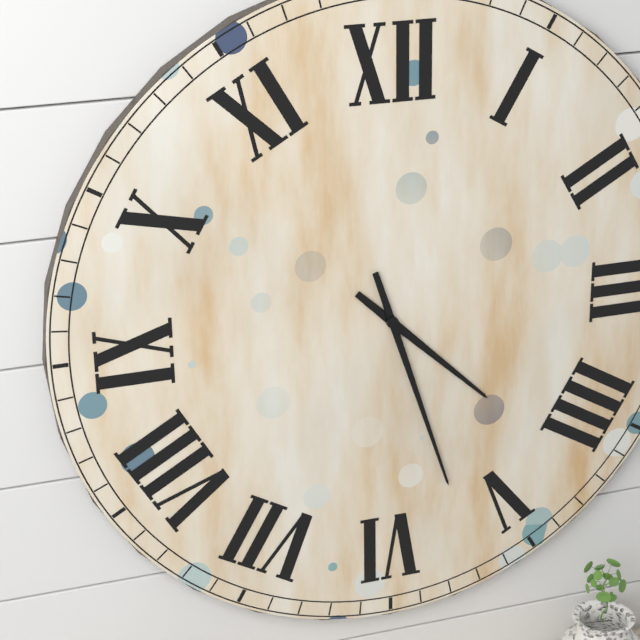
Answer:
h=4 m=27
